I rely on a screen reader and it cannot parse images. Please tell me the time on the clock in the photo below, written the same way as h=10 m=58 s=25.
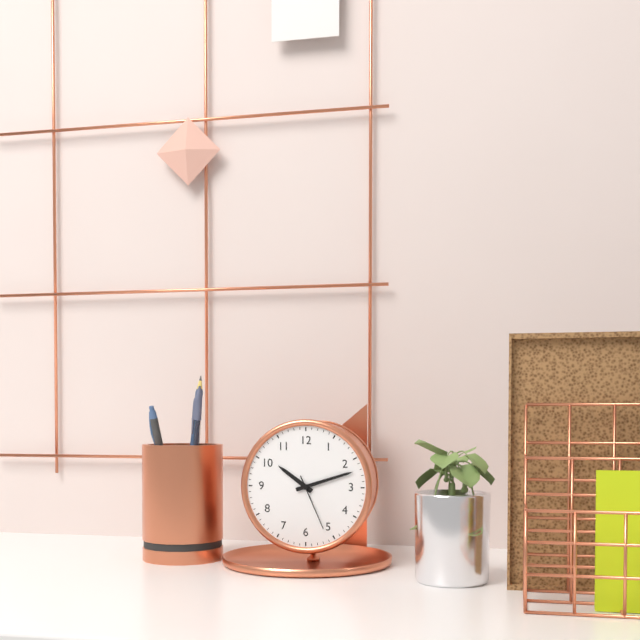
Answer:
h=10 m=12 s=26
